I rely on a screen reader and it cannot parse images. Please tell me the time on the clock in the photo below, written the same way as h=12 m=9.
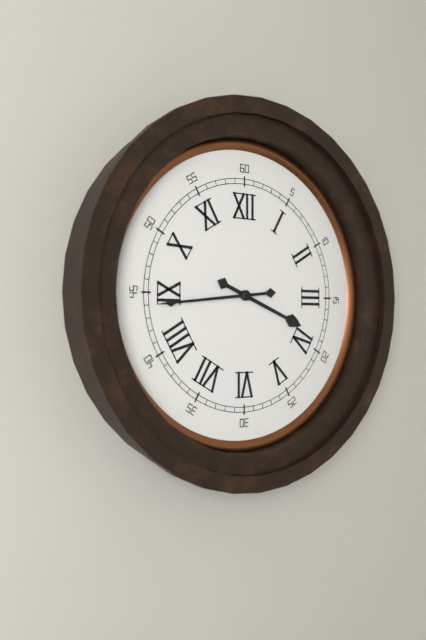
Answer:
h=3 m=44
